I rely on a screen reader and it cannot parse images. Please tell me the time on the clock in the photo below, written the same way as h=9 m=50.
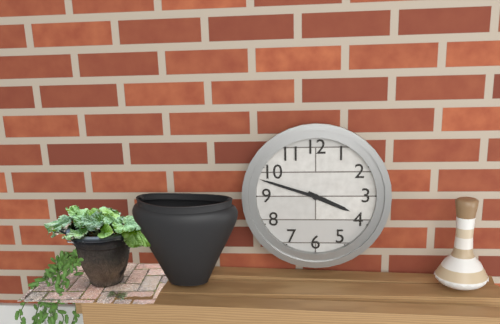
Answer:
h=3 m=48
